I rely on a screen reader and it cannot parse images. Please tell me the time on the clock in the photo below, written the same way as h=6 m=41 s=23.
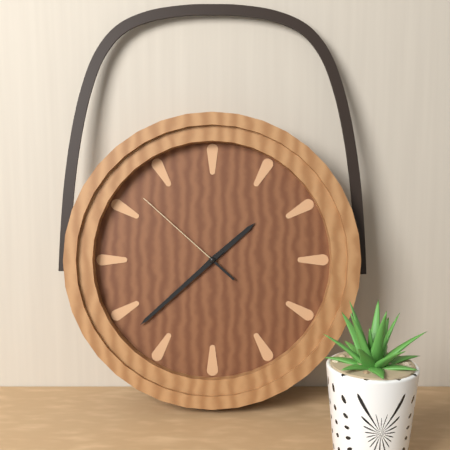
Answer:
h=1 m=38 s=52
